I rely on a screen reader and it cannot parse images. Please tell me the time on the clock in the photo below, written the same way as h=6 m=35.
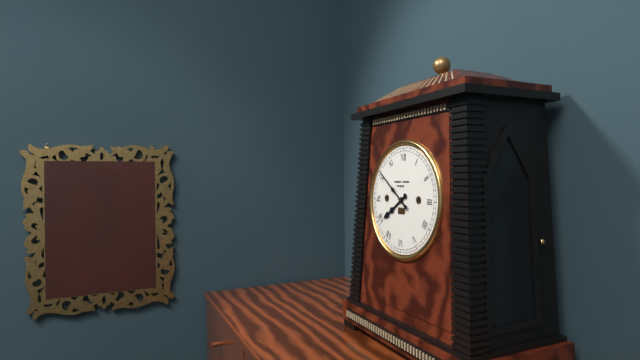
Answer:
h=7 m=51
